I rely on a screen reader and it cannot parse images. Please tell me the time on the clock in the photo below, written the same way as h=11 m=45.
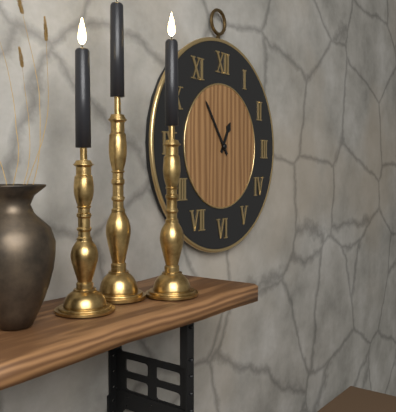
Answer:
h=12 m=54
